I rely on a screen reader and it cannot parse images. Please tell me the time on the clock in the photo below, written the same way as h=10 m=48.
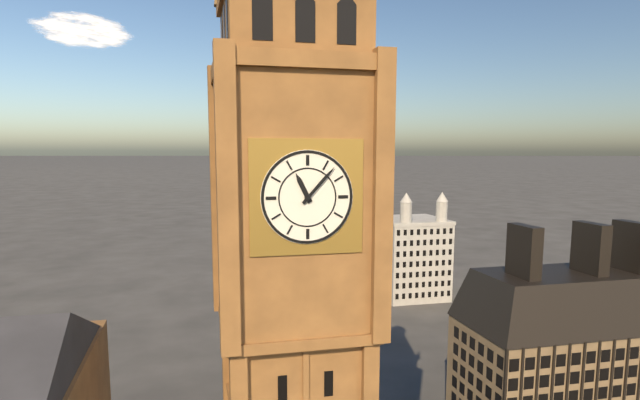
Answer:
h=11 m=7
